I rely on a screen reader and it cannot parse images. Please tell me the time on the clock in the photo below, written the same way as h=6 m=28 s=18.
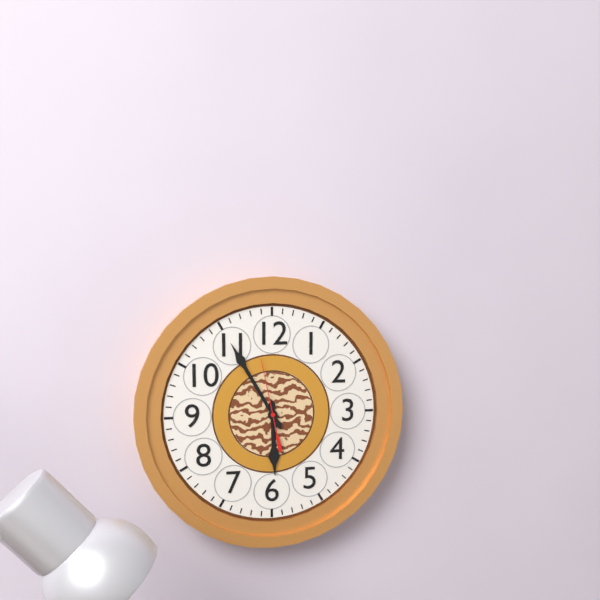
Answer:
h=5 m=55 s=58
